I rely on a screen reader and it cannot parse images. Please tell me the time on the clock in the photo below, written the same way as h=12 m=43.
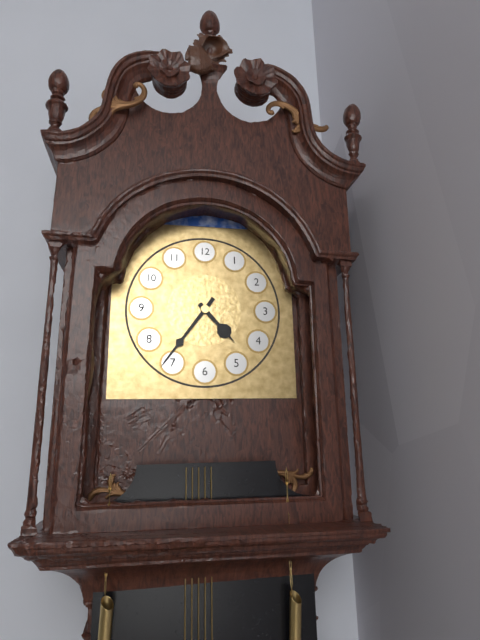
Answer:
h=4 m=36
